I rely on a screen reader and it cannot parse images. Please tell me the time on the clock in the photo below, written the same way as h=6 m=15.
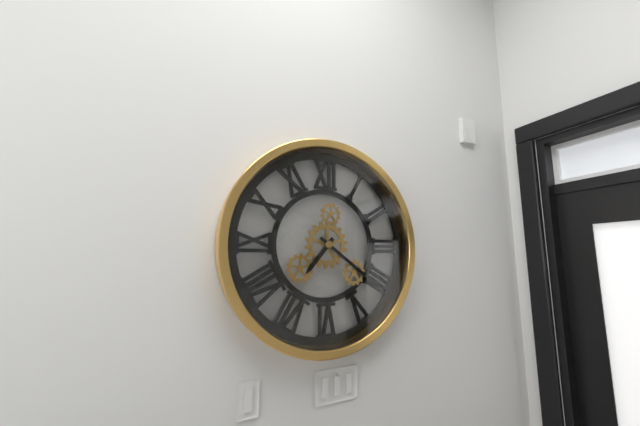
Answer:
h=7 m=21
